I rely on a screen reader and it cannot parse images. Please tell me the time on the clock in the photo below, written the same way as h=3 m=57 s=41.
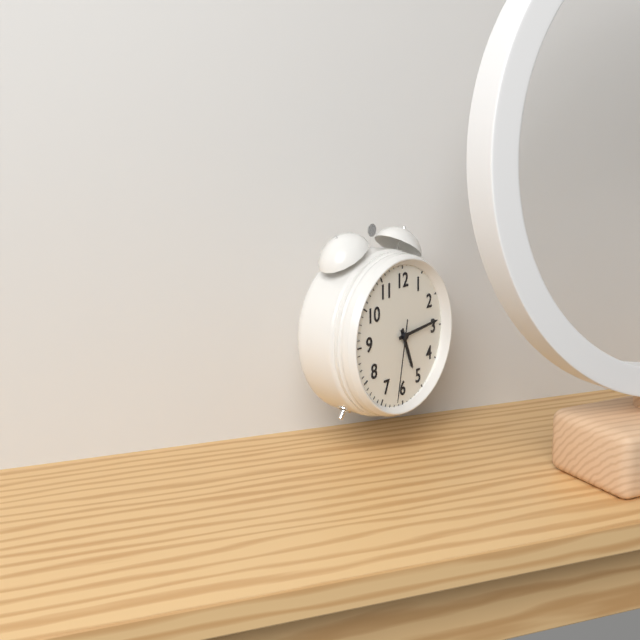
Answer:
h=5 m=14 s=32
